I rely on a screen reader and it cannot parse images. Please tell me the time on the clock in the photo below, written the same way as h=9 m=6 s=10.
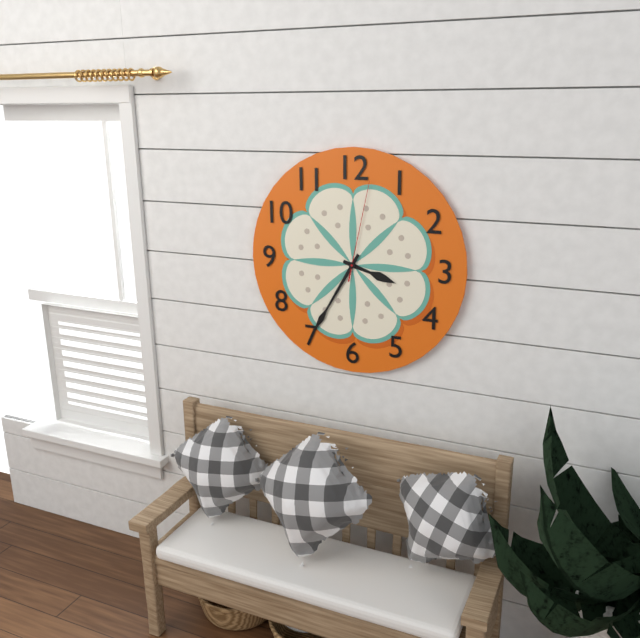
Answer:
h=3 m=35 s=2
